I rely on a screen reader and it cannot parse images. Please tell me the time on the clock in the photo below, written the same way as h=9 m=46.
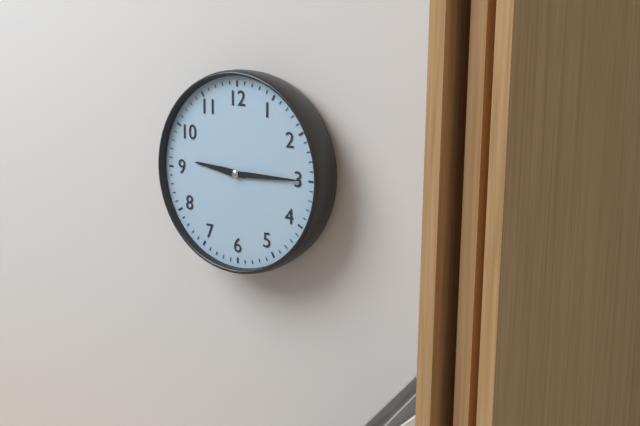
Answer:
h=9 m=15
